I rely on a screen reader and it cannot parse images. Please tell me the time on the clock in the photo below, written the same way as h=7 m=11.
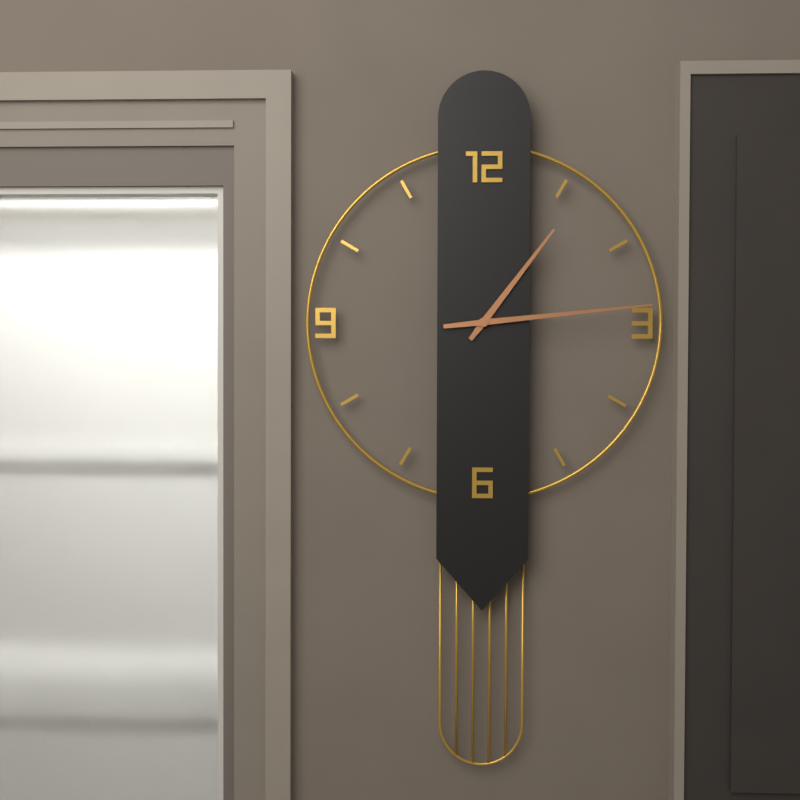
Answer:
h=1 m=14
